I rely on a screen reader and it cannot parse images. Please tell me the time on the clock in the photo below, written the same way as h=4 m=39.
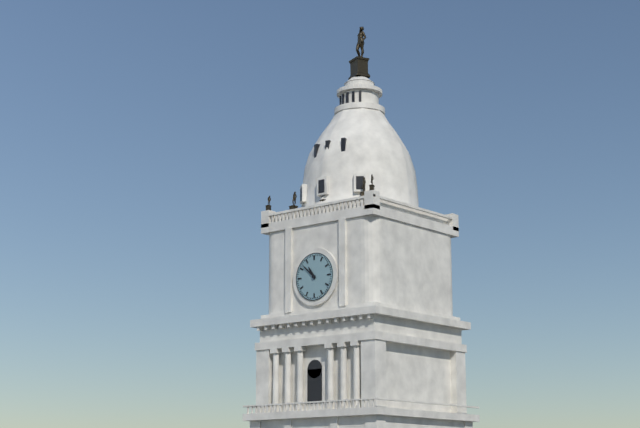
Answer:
h=10 m=52
